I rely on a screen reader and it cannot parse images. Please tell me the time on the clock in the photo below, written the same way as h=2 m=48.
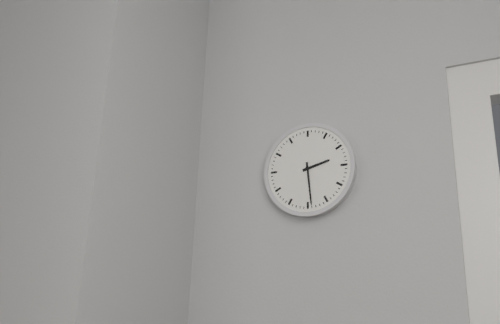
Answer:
h=2 m=29
